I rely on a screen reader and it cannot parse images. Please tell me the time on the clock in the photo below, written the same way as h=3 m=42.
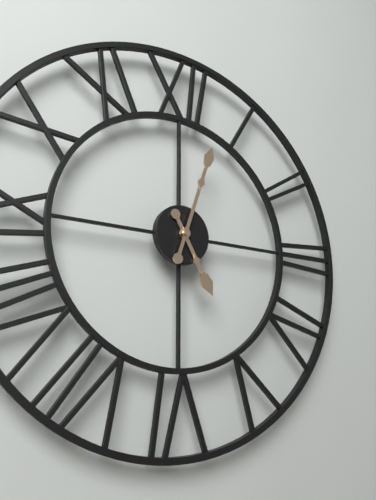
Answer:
h=5 m=3
